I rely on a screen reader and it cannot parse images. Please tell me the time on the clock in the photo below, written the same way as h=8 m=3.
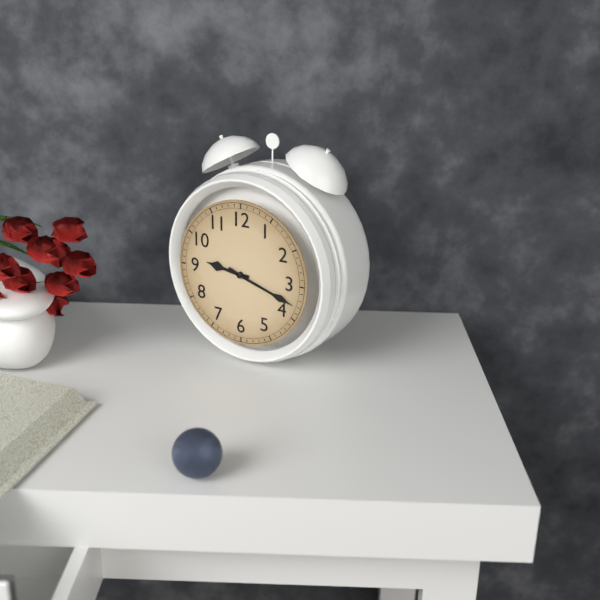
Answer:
h=9 m=18
